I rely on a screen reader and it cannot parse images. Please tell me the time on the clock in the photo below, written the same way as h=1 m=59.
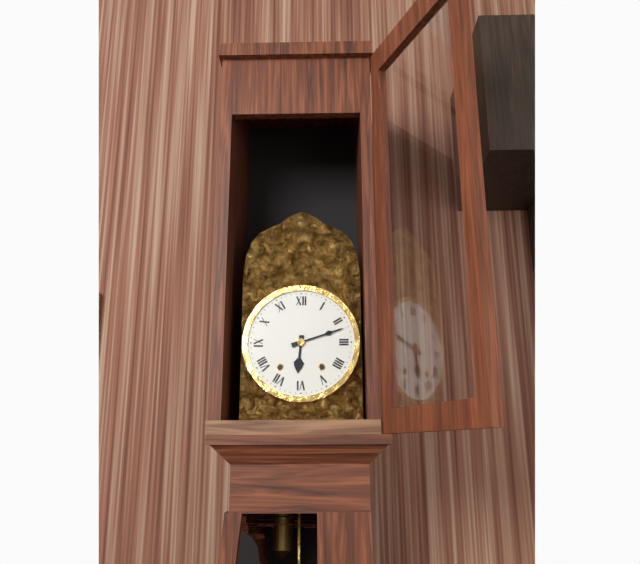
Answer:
h=6 m=12
